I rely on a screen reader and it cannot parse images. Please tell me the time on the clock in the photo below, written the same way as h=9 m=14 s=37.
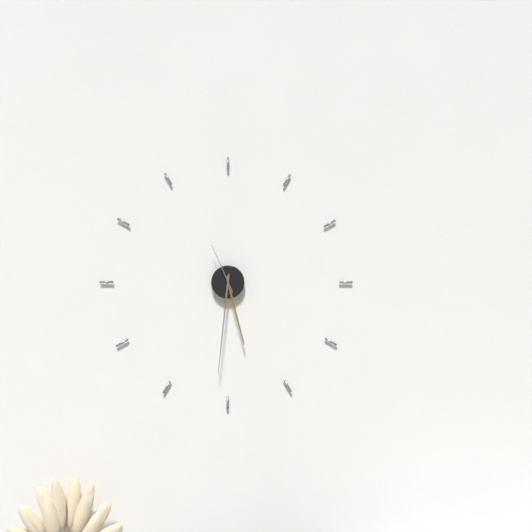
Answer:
h=5 m=31 s=56
